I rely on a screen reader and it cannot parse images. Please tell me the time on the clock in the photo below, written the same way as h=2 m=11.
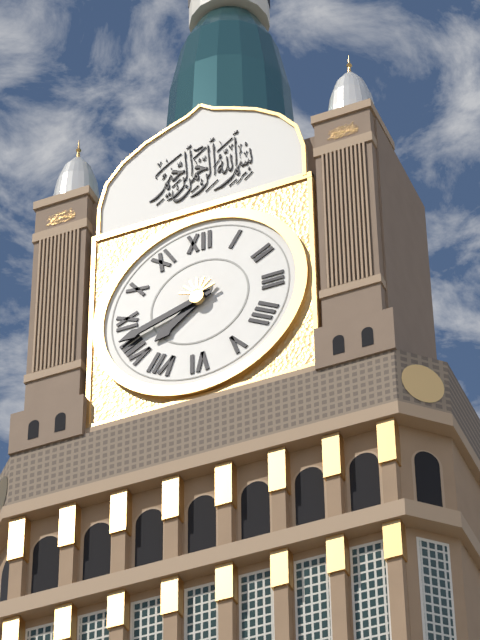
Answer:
h=7 m=42
